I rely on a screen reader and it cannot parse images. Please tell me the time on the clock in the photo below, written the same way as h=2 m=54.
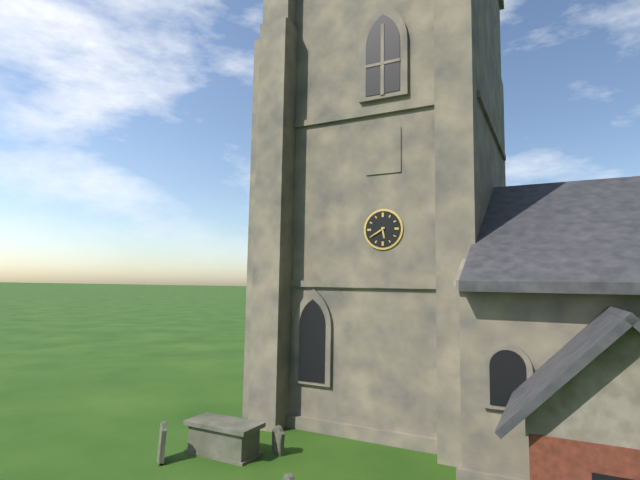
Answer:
h=5 m=40
